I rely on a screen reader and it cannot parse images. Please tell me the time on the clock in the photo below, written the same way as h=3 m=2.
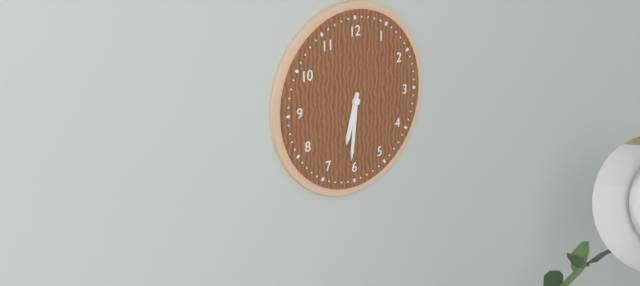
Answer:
h=6 m=31
